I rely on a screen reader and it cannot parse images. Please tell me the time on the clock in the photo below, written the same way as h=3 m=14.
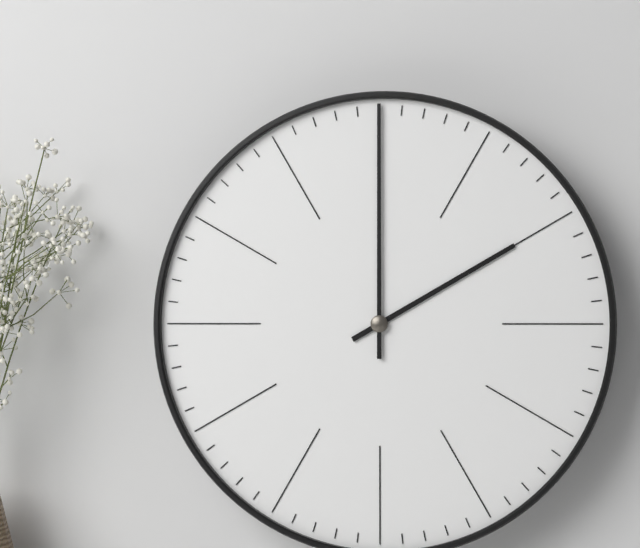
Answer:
h=2 m=0
